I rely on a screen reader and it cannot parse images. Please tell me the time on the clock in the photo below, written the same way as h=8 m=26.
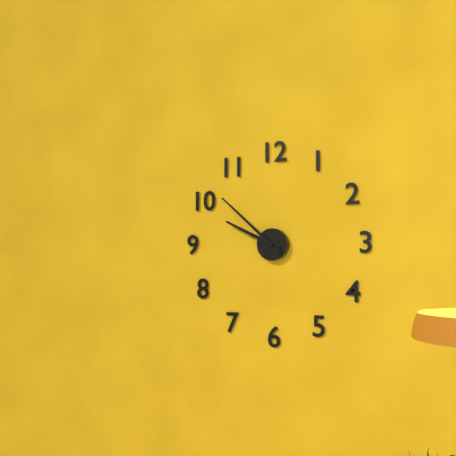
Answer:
h=9 m=52
